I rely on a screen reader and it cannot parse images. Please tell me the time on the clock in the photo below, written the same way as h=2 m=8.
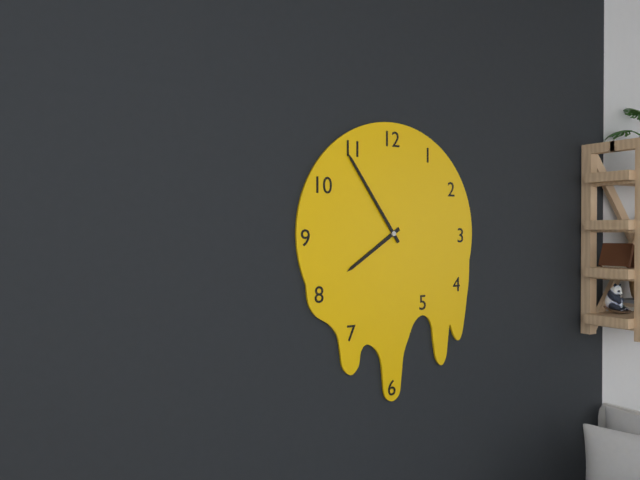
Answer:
h=7 m=54
